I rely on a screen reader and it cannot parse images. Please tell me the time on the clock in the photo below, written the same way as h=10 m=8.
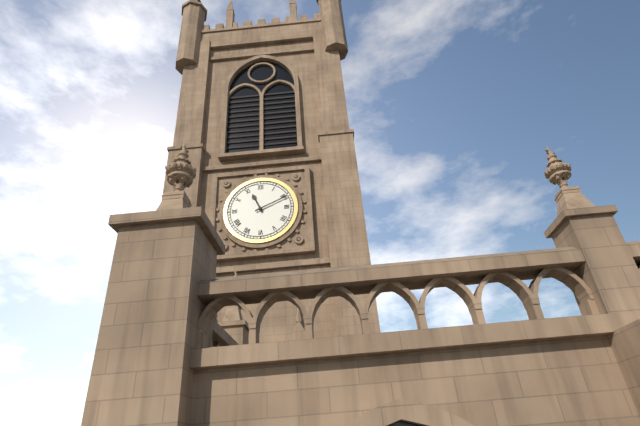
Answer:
h=11 m=11
